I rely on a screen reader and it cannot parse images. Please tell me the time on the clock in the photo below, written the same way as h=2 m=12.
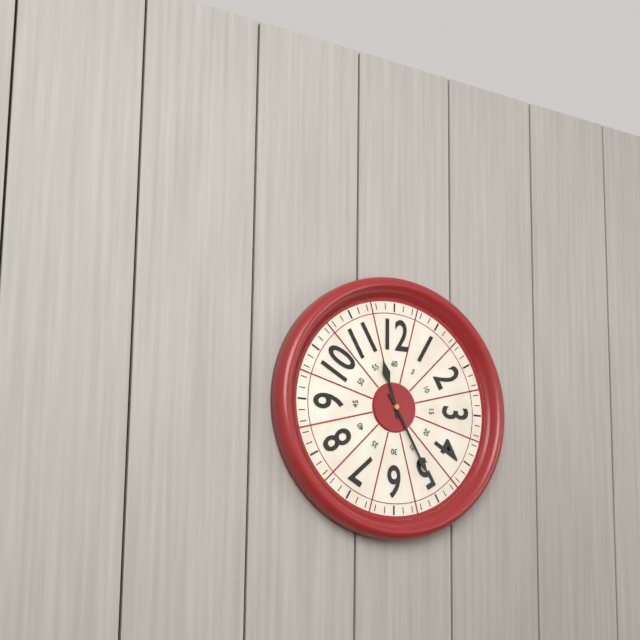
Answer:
h=11 m=25
